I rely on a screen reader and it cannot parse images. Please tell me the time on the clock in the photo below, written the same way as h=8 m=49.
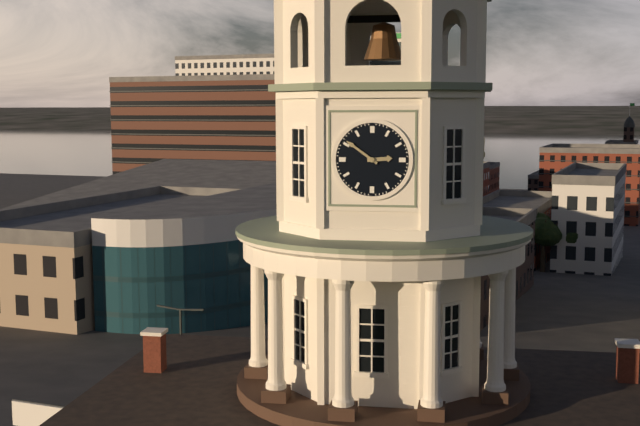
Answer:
h=2 m=51
